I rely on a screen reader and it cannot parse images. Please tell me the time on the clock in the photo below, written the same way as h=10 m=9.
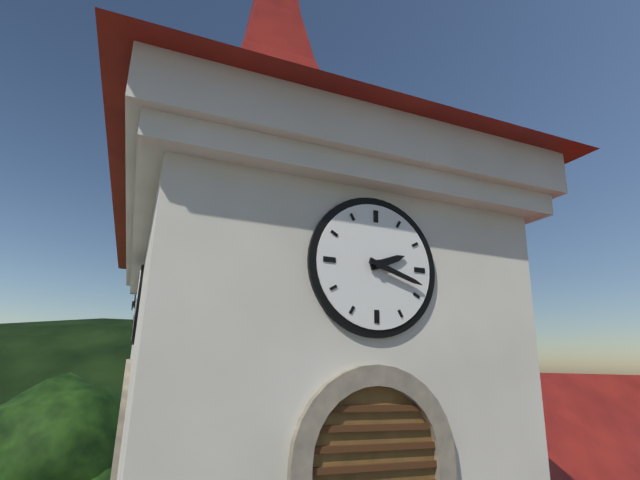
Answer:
h=2 m=18
